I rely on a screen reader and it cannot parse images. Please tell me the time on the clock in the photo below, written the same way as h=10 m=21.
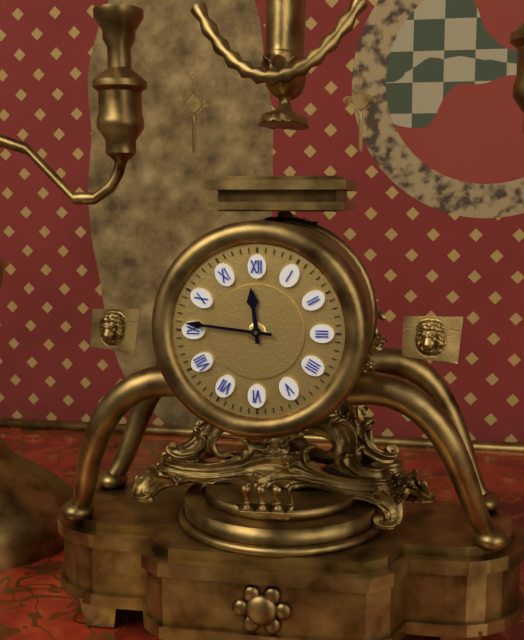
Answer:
h=11 m=46
